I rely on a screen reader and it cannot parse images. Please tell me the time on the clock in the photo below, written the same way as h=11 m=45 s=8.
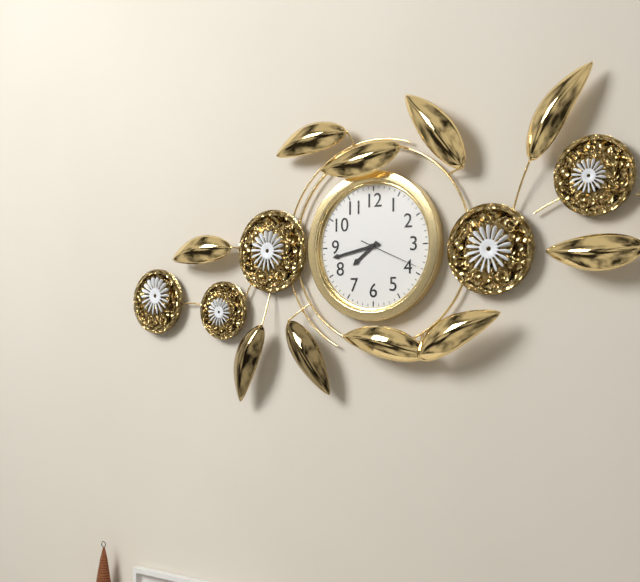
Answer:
h=7 m=43 s=19
